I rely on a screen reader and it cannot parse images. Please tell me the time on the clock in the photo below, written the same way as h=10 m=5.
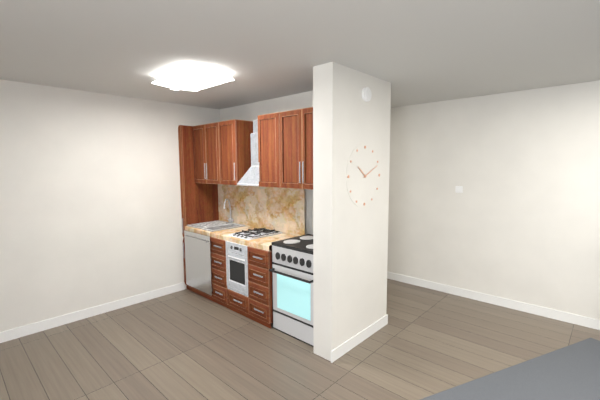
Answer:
h=10 m=11
